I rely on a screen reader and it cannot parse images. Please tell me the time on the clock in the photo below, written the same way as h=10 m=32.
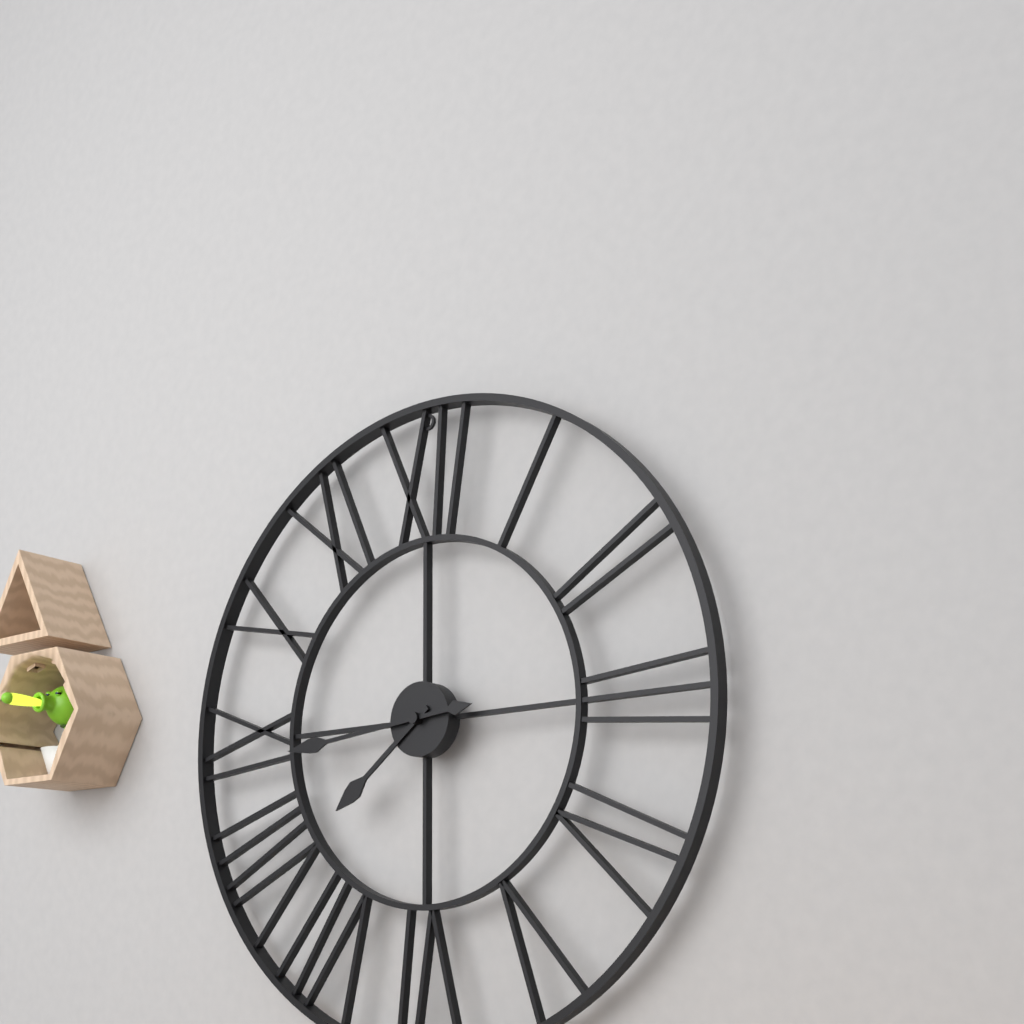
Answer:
h=7 m=44
